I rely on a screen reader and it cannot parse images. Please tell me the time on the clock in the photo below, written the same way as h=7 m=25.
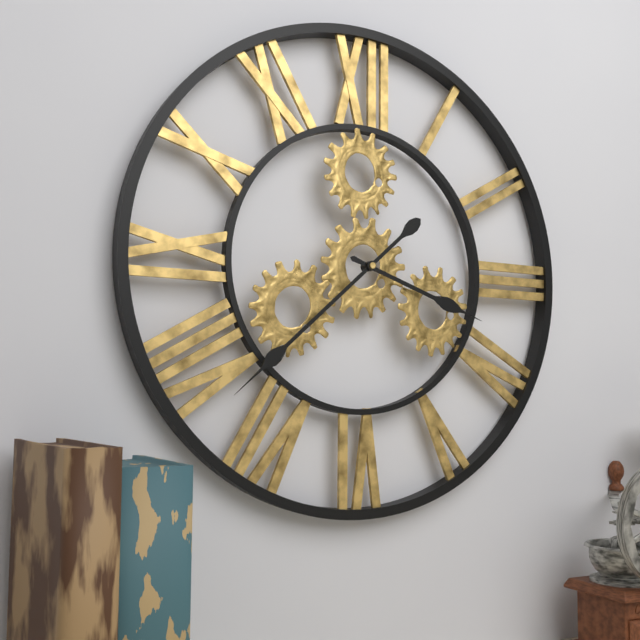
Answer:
h=3 m=38
